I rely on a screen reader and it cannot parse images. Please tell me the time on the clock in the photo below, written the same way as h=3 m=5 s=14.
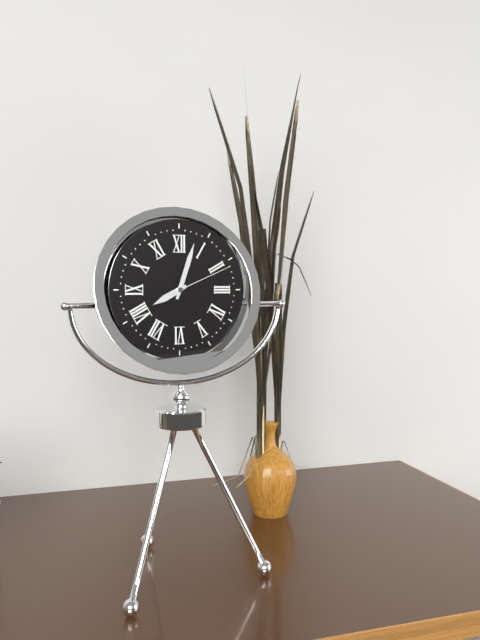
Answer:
h=8 m=3 s=11
